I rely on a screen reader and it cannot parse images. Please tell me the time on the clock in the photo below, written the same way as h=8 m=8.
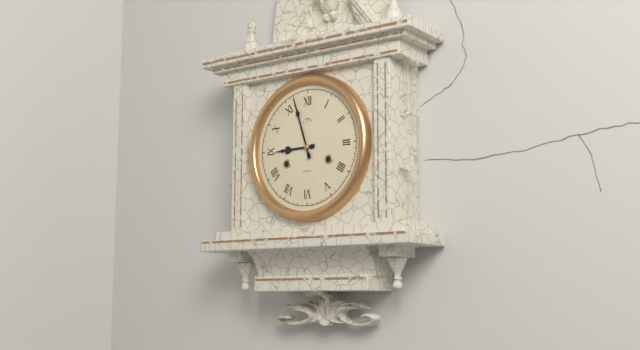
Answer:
h=8 m=57
